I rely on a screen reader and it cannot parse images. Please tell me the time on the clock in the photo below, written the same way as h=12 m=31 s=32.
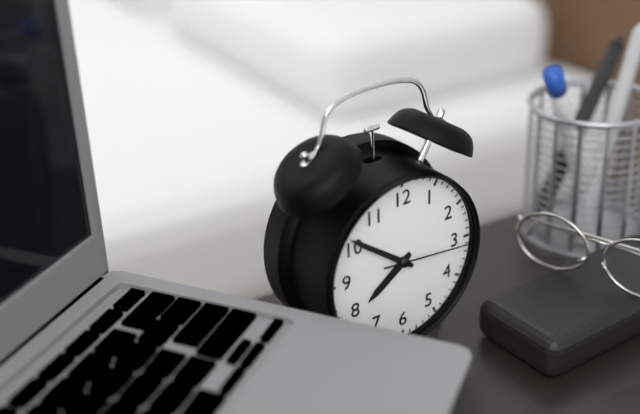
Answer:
h=7 m=51 s=16
